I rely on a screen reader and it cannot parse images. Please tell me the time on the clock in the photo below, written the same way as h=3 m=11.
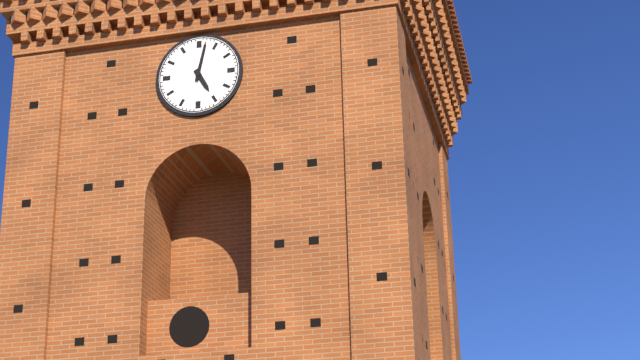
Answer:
h=5 m=2
